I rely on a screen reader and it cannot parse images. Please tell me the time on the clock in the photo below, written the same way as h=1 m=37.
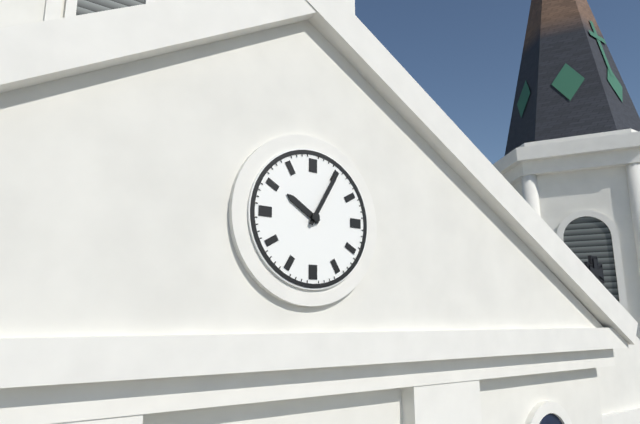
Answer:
h=10 m=5
